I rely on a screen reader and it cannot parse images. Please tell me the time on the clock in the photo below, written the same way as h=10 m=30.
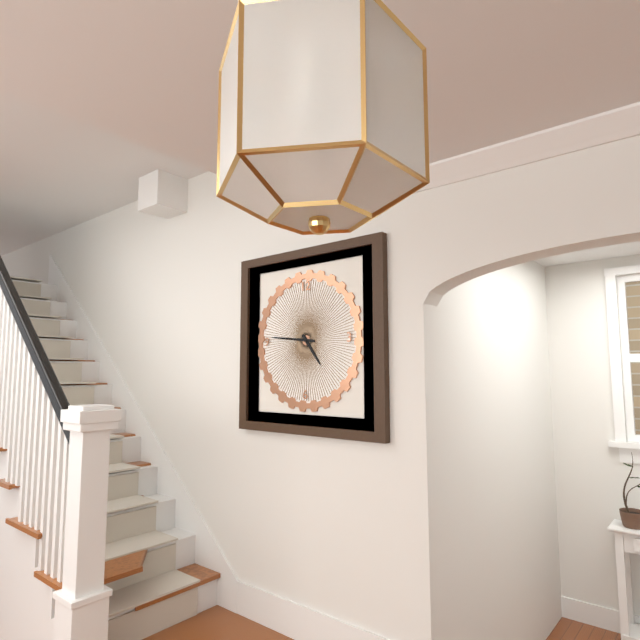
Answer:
h=4 m=46
